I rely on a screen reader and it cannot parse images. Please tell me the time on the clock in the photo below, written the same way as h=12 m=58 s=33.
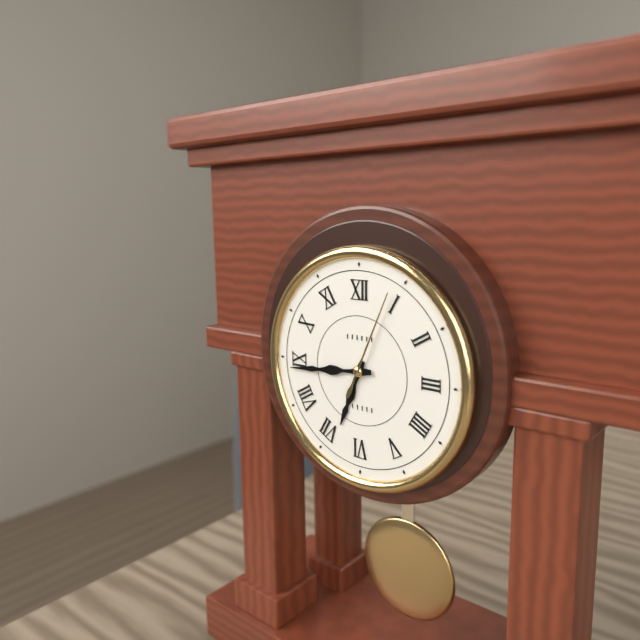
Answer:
h=6 m=44 s=4
